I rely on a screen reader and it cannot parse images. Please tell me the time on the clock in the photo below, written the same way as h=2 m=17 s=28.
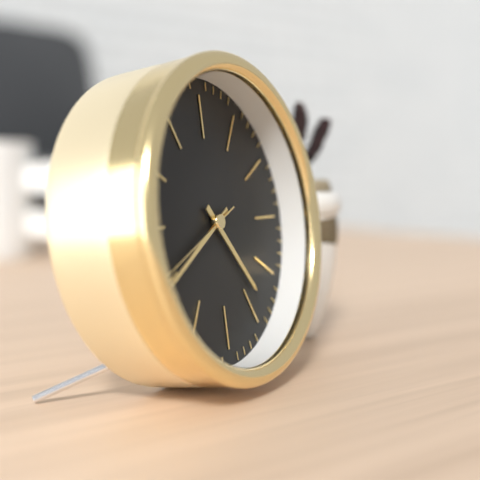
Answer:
h=4 m=40 s=41
